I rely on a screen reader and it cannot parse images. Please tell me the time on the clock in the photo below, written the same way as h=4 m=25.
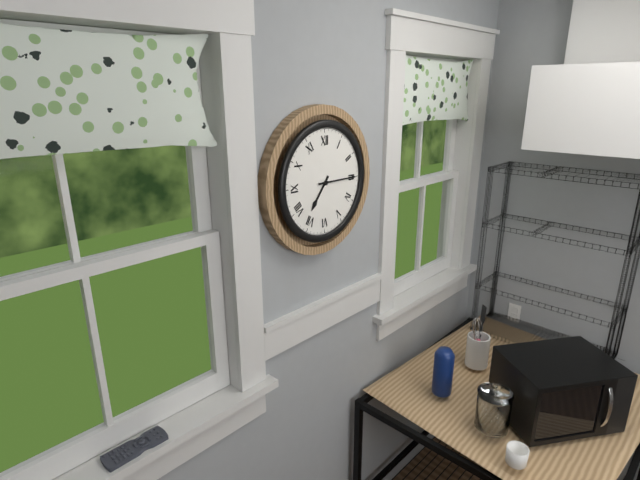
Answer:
h=7 m=15
